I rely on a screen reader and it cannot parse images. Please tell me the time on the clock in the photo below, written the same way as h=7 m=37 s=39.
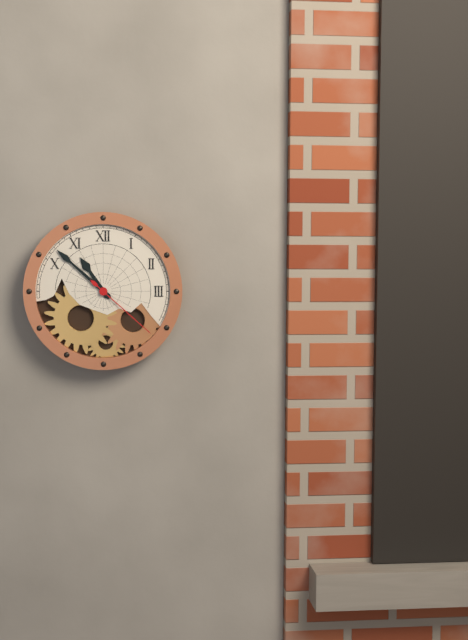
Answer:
h=10 m=52 s=22
